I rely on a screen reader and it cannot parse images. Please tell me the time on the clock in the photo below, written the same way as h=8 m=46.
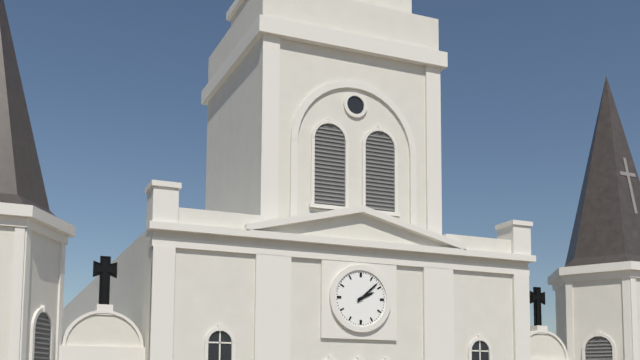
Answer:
h=2 m=8
